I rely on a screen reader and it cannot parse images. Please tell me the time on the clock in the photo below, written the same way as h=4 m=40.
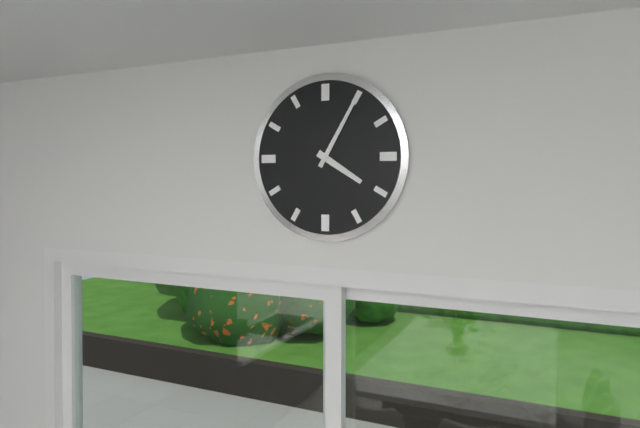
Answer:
h=4 m=5
